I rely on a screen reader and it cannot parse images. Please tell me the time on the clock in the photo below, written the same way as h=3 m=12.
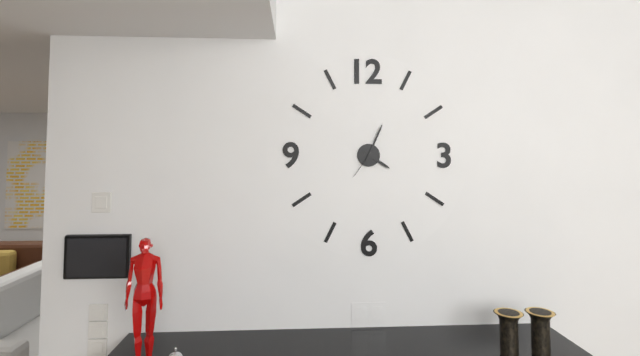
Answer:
h=4 m=4
